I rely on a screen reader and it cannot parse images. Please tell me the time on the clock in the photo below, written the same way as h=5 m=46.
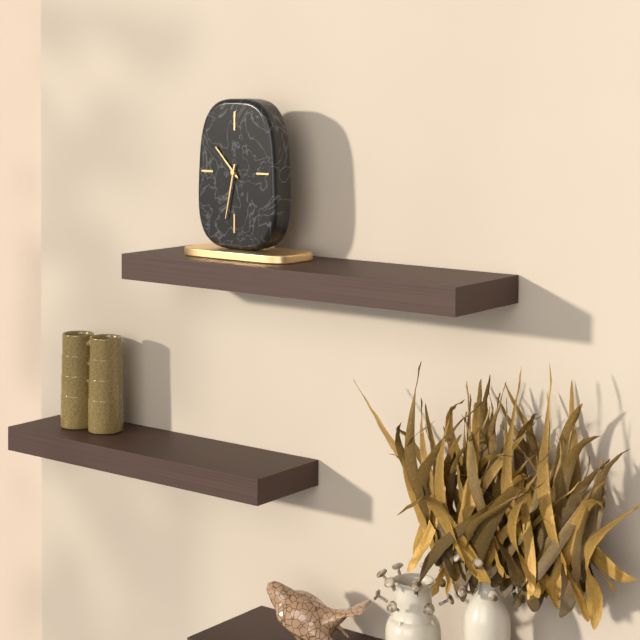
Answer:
h=10 m=32
